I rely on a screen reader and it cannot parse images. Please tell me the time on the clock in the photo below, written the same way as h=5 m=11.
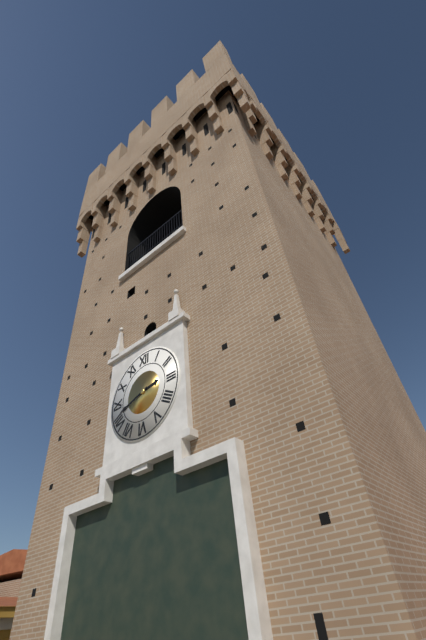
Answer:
h=2 m=42
